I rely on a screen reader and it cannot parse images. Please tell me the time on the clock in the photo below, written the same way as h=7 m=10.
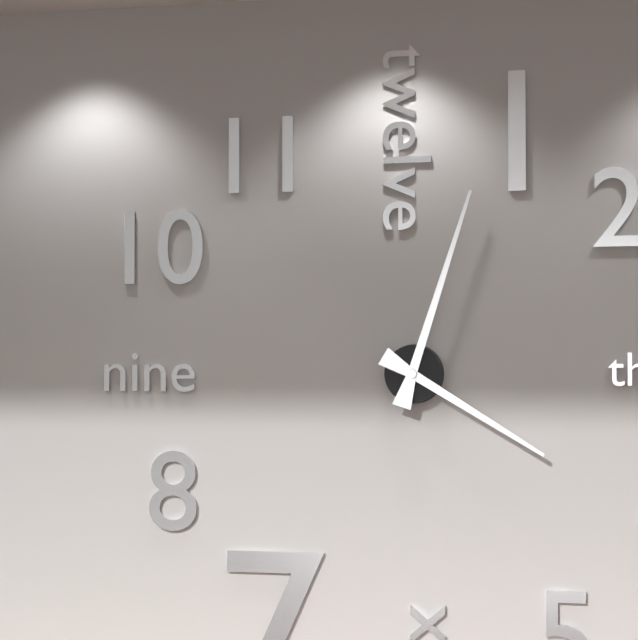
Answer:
h=4 m=3
